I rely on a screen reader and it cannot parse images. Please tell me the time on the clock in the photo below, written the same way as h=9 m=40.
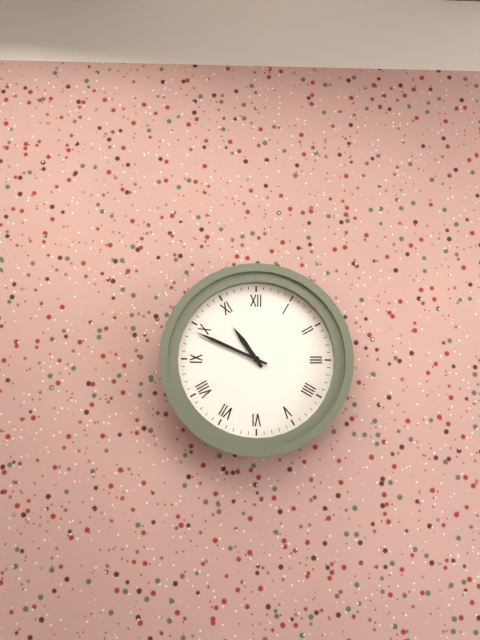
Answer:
h=10 m=49
